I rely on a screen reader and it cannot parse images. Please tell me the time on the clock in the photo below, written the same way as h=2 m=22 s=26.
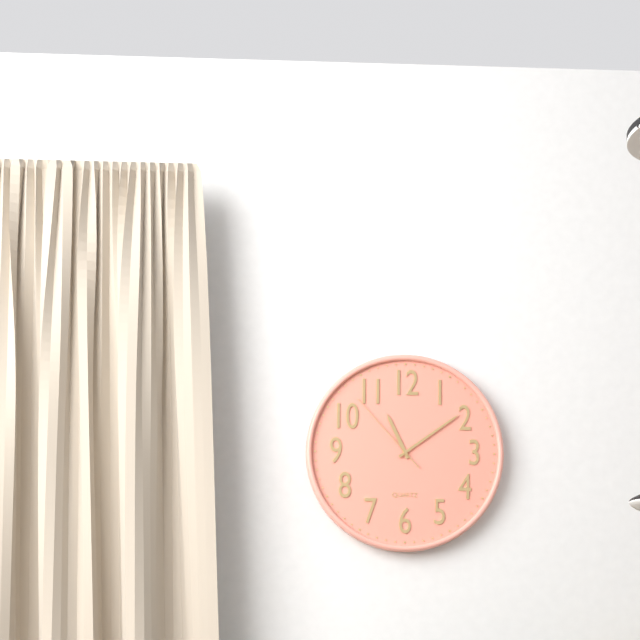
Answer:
h=11 m=9 s=53
